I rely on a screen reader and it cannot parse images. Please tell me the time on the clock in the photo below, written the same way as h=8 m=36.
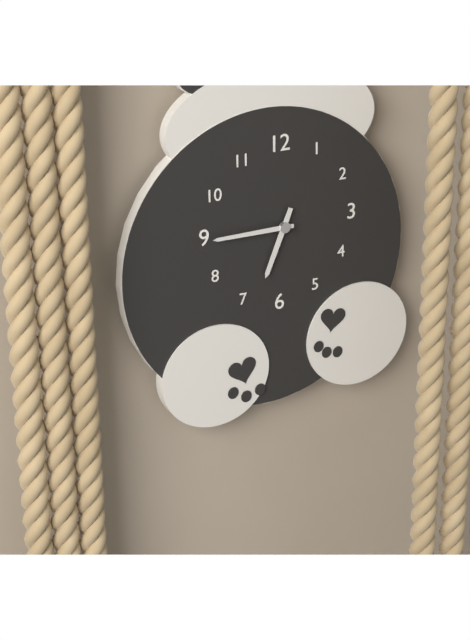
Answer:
h=6 m=45
